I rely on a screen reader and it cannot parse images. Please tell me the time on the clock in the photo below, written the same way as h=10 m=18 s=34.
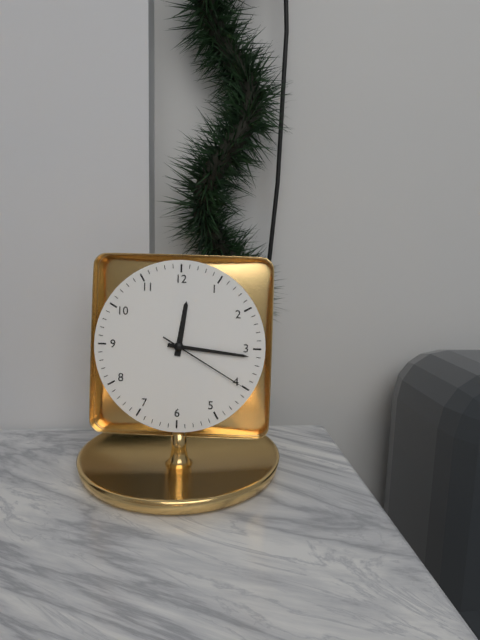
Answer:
h=12 m=16 s=20
